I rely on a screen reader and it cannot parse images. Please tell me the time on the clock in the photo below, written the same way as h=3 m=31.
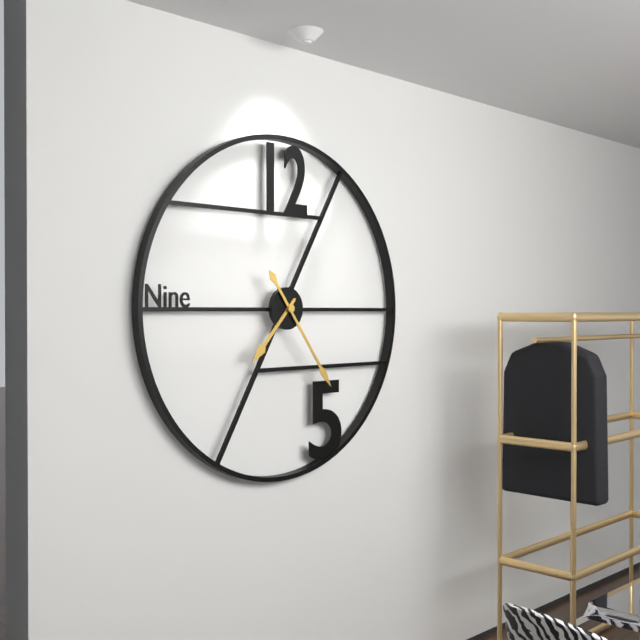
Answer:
h=7 m=24
